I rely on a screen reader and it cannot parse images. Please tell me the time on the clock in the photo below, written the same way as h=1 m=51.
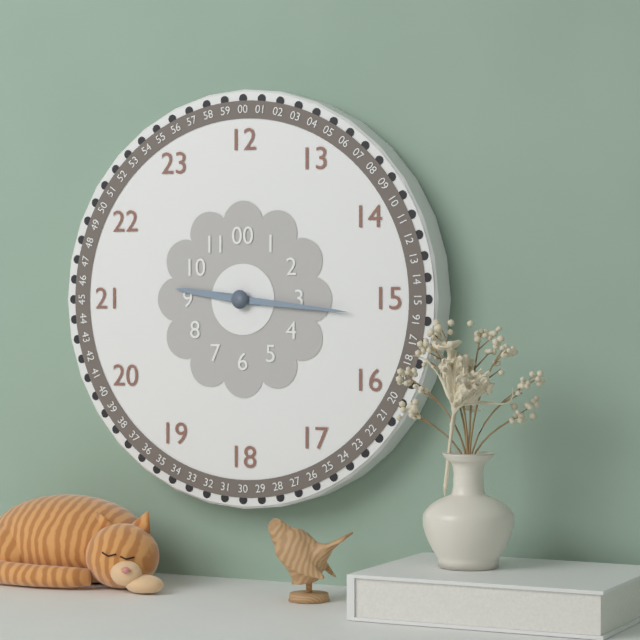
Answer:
h=9 m=16
